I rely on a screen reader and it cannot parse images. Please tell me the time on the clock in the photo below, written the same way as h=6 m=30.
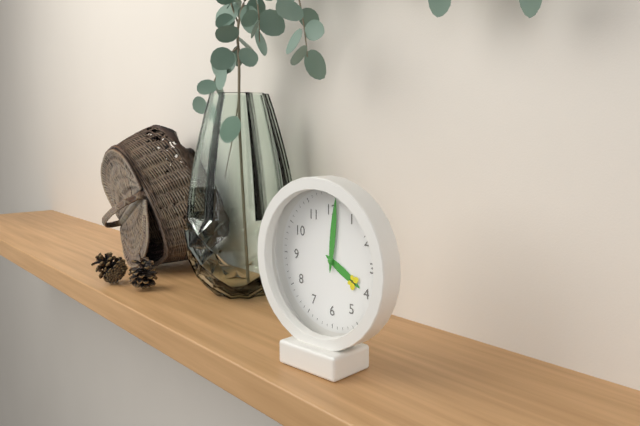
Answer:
h=4 m=1
